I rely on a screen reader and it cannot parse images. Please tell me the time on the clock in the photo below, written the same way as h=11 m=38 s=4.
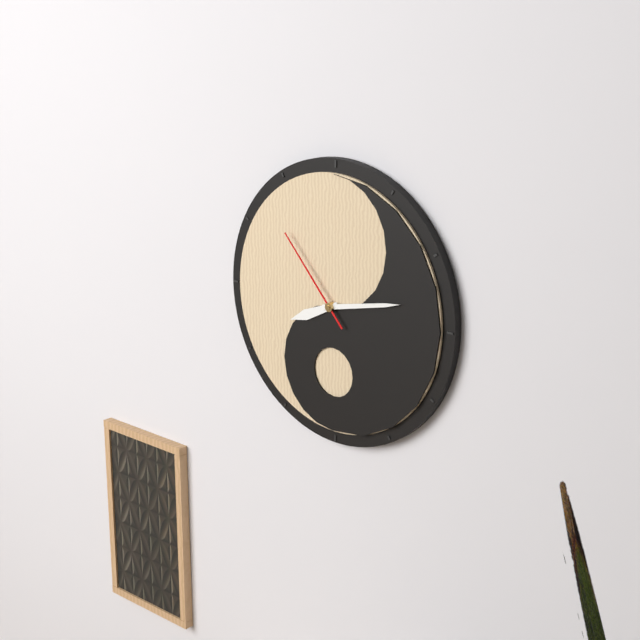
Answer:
h=8 m=13 s=53
